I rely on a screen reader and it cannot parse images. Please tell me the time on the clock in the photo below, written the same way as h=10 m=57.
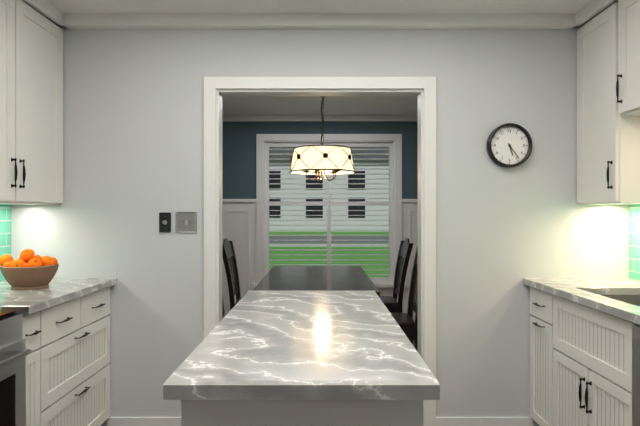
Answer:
h=5 m=24
